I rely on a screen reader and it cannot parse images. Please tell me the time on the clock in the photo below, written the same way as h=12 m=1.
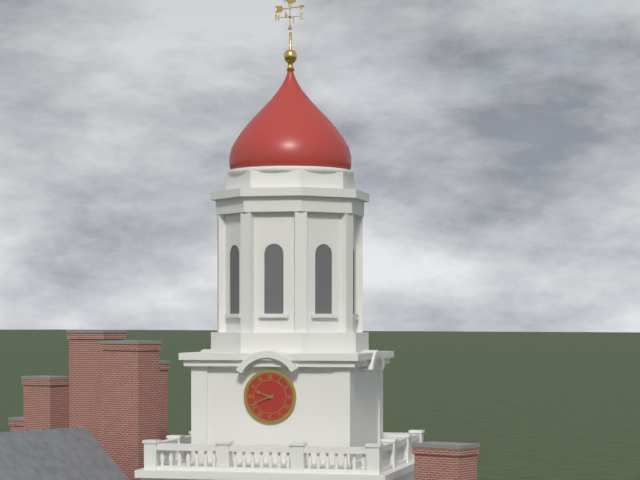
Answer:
h=9 m=41
